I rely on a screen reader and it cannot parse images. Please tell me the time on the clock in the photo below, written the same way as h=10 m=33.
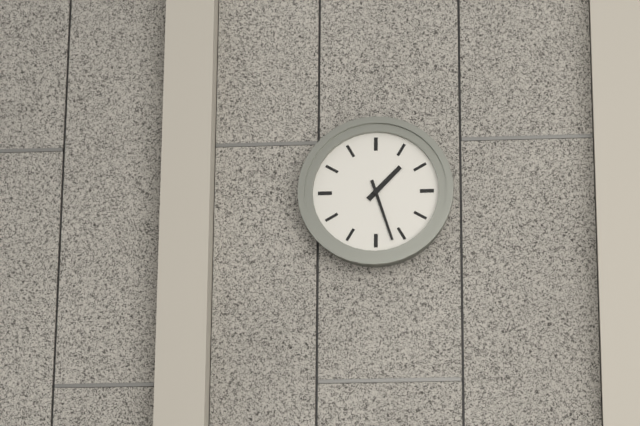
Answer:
h=1 m=27
